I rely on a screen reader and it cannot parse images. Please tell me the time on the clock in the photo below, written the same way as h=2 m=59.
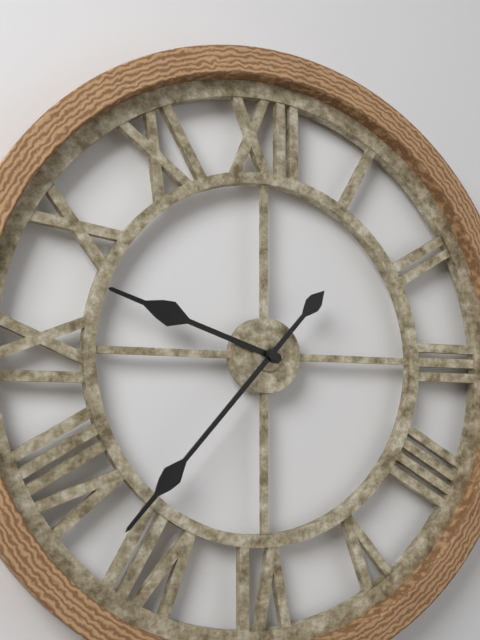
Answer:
h=9 m=37
